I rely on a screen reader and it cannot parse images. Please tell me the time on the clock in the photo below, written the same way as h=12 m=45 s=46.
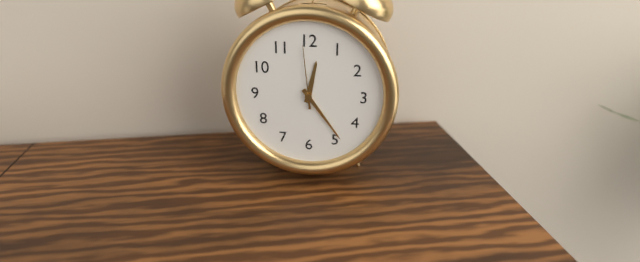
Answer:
h=12 m=24 s=59
